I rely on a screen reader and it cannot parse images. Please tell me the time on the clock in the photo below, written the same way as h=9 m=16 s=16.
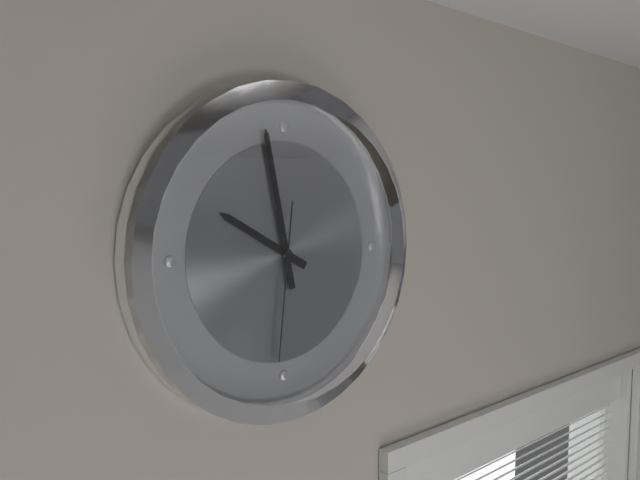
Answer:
h=9 m=58 s=31
